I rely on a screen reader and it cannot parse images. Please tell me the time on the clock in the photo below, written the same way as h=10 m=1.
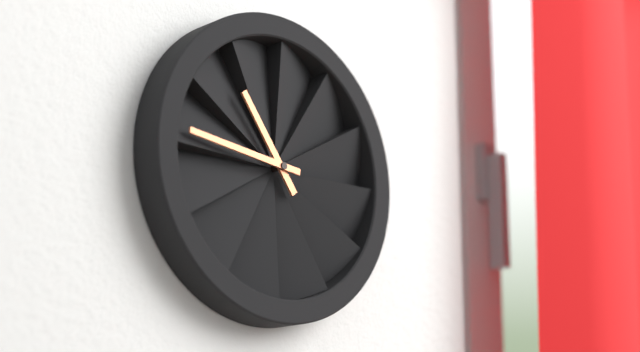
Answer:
h=10 m=46
